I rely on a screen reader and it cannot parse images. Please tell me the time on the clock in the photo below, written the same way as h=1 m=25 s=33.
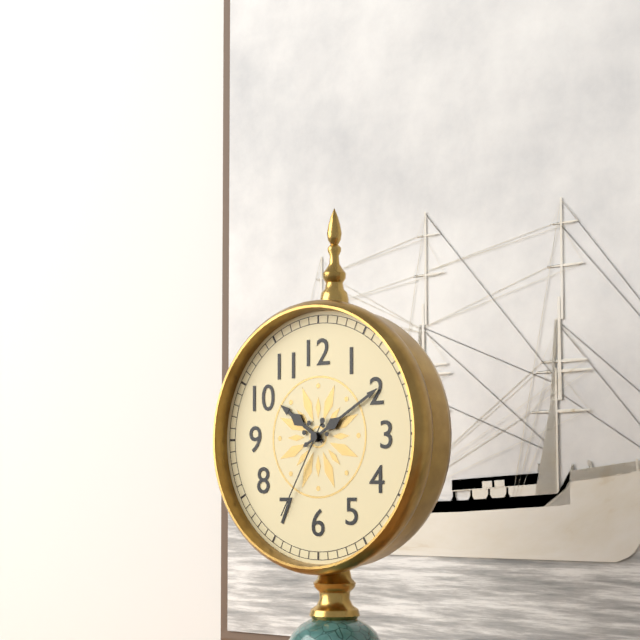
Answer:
h=10 m=10 s=35
